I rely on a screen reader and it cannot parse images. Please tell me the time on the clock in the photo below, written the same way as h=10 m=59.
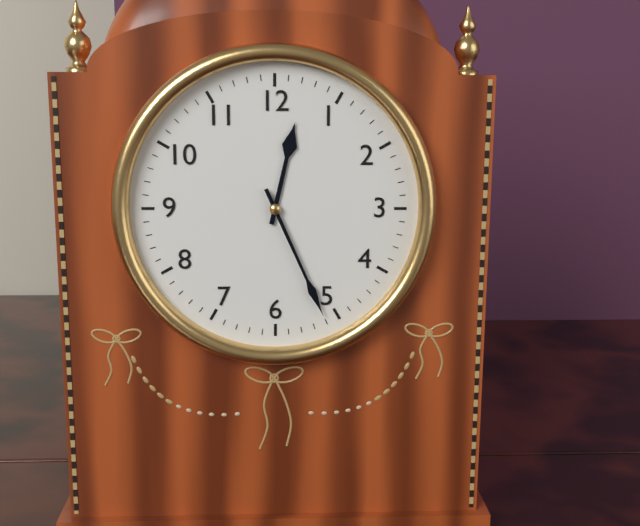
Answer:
h=12 m=26
